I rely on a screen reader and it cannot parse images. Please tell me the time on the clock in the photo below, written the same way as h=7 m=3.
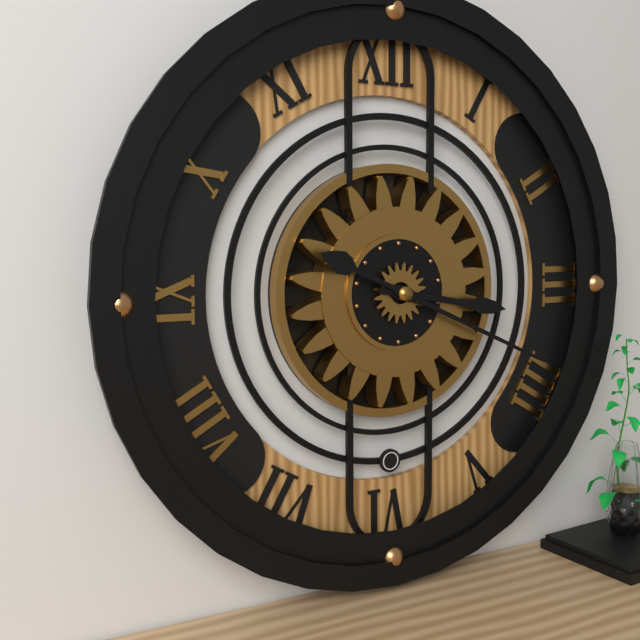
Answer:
h=3 m=19
